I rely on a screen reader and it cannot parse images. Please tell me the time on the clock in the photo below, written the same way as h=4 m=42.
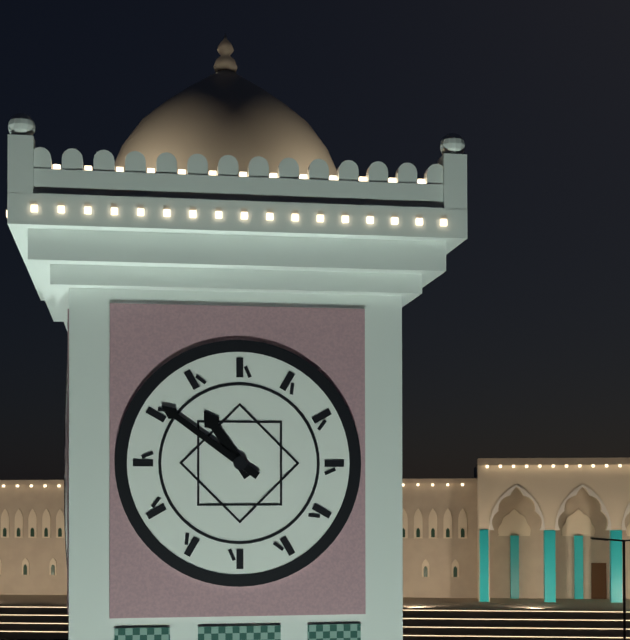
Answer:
h=10 m=51
